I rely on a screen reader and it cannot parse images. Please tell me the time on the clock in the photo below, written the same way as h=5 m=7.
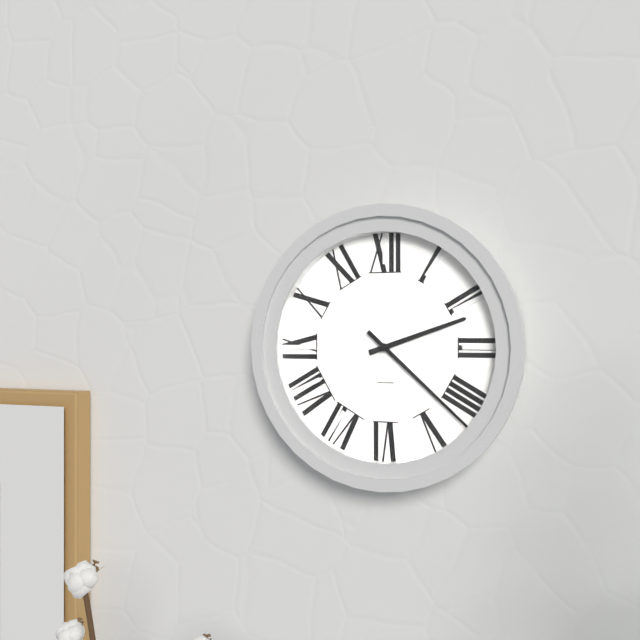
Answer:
h=2 m=22
